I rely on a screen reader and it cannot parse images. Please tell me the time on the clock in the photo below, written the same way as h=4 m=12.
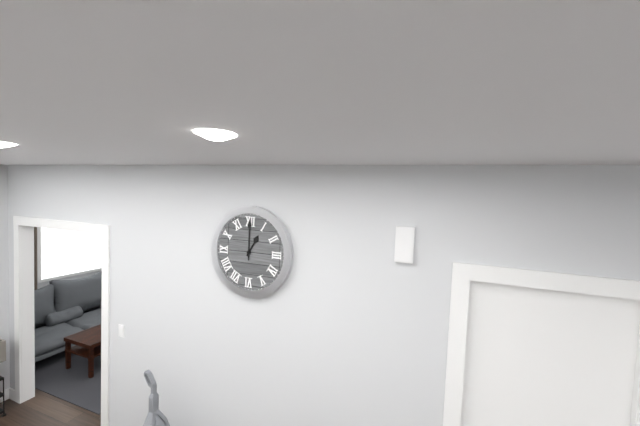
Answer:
h=1 m=0
